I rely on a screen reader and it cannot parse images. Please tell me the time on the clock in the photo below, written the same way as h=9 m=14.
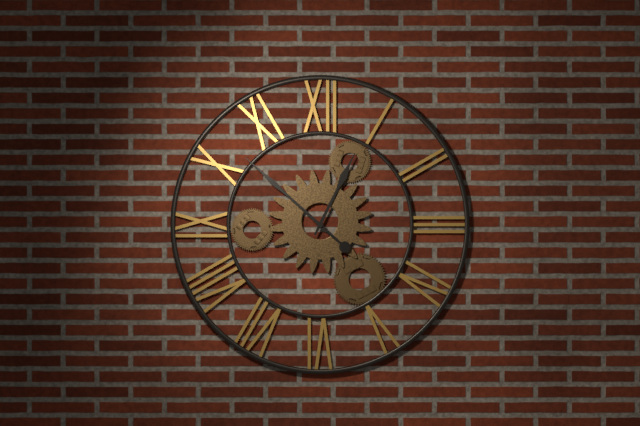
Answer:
h=12 m=52
